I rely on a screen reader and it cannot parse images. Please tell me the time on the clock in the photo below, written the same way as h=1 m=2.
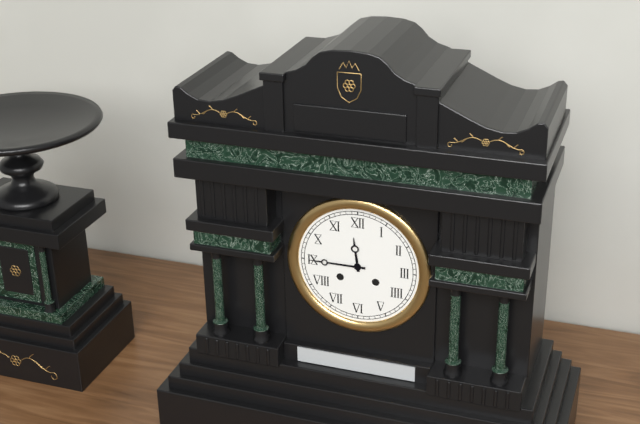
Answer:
h=11 m=45
